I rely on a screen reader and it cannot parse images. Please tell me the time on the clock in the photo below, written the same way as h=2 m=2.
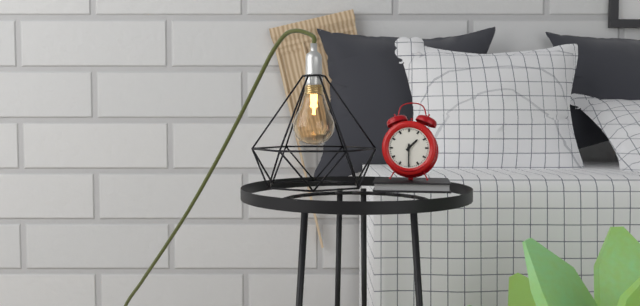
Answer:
h=1 m=30
